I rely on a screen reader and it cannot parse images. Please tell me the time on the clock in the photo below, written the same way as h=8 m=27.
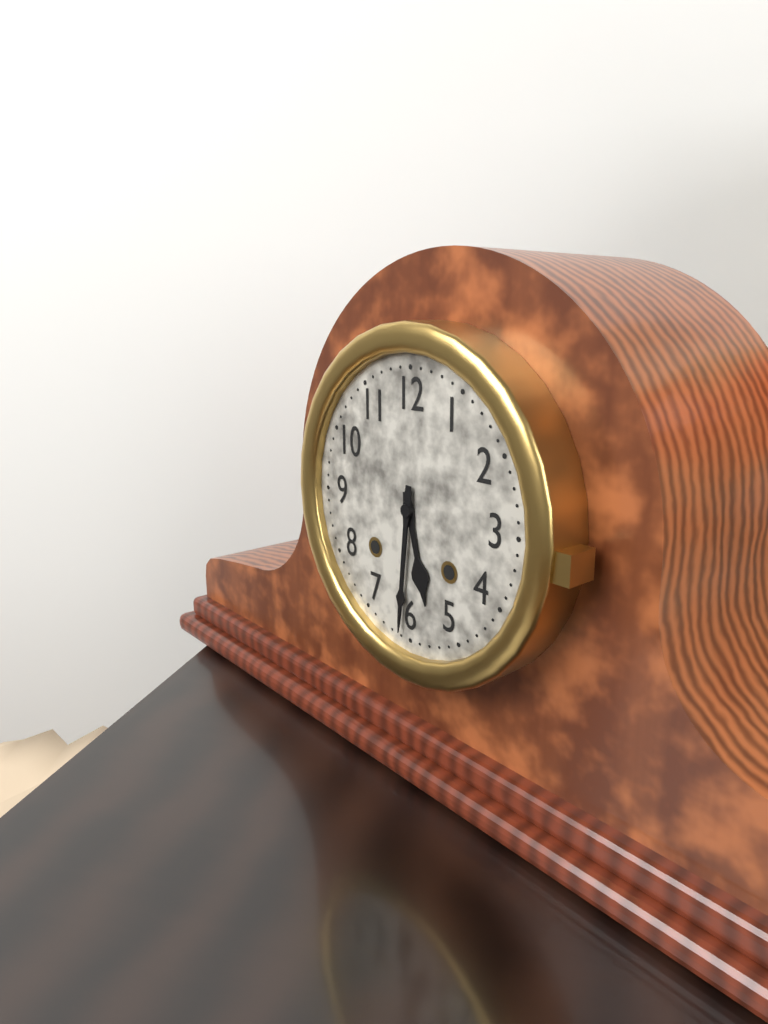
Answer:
h=5 m=31
